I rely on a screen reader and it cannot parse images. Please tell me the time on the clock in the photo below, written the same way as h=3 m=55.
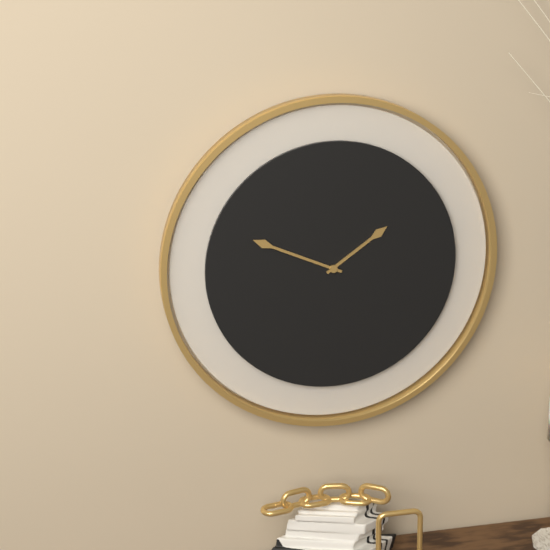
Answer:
h=1 m=49
